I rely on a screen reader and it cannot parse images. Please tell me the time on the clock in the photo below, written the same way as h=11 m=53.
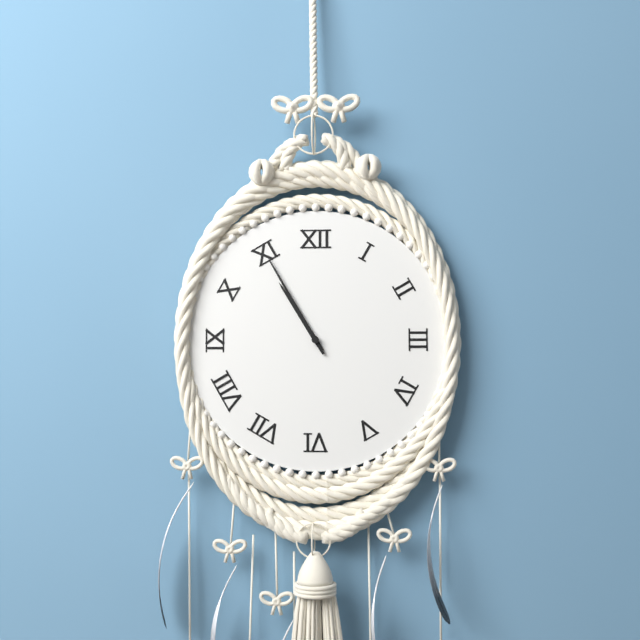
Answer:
h=10 m=55
